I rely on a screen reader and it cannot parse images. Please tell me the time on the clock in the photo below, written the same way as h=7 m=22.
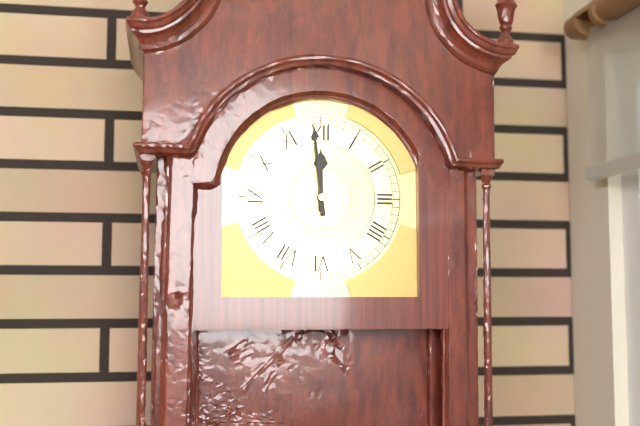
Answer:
h=11 m=59
